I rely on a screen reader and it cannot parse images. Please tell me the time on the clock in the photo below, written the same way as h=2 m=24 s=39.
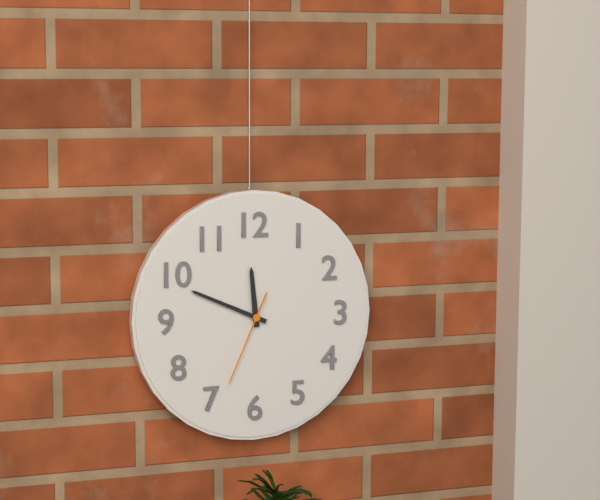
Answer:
h=11 m=49 s=34
